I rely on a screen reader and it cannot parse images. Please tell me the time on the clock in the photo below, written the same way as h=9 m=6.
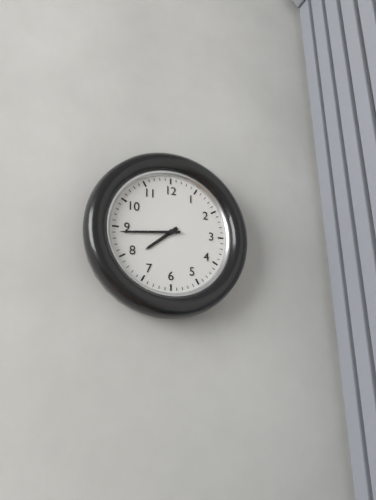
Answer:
h=7 m=44
